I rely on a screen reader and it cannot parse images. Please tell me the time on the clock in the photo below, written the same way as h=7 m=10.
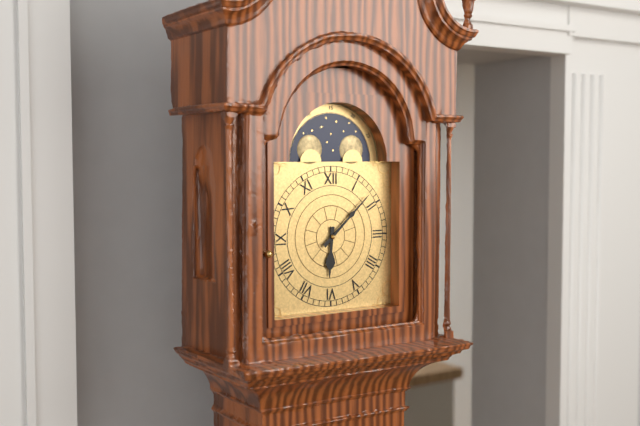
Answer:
h=6 m=8
